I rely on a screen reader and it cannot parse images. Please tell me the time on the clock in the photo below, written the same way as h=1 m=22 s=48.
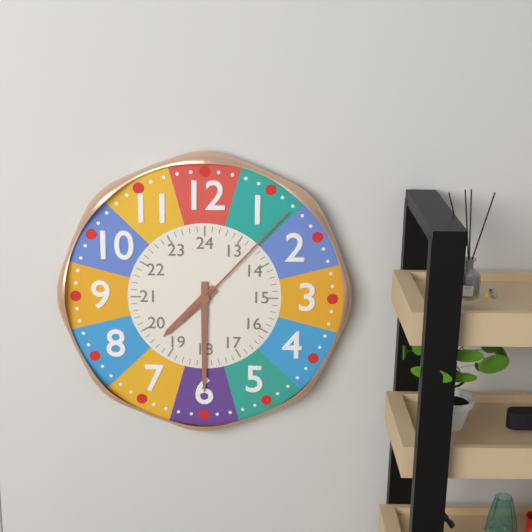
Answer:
h=7 m=30 s=7
